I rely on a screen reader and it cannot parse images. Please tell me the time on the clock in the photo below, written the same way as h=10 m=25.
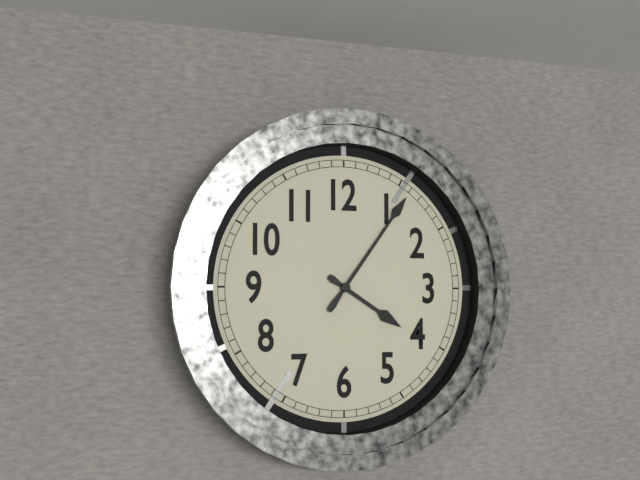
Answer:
h=4 m=6
